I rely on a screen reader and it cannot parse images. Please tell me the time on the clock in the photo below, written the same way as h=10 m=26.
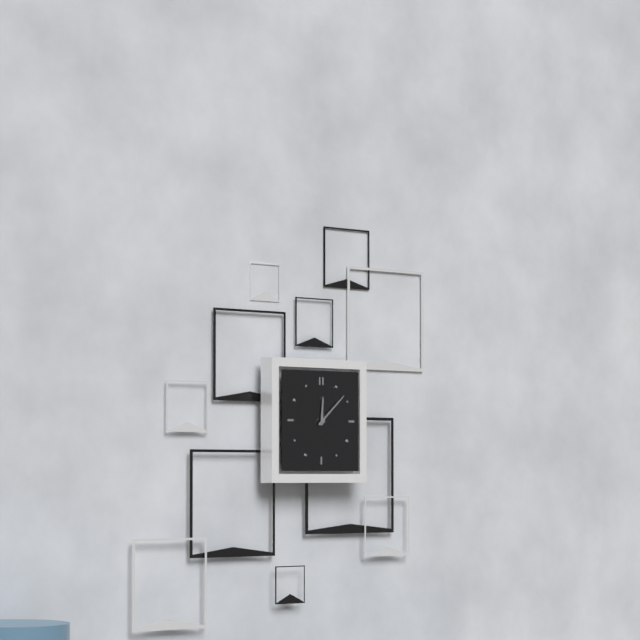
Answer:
h=12 m=8
